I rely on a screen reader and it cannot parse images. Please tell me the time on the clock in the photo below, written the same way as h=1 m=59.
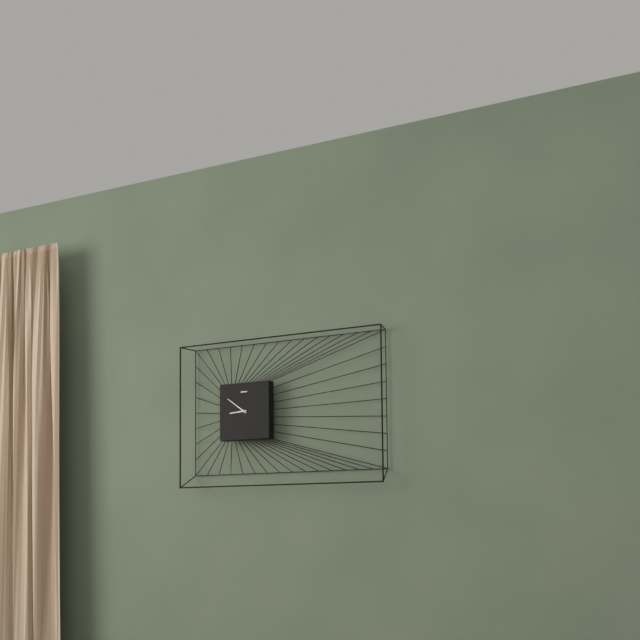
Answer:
h=8 m=51
